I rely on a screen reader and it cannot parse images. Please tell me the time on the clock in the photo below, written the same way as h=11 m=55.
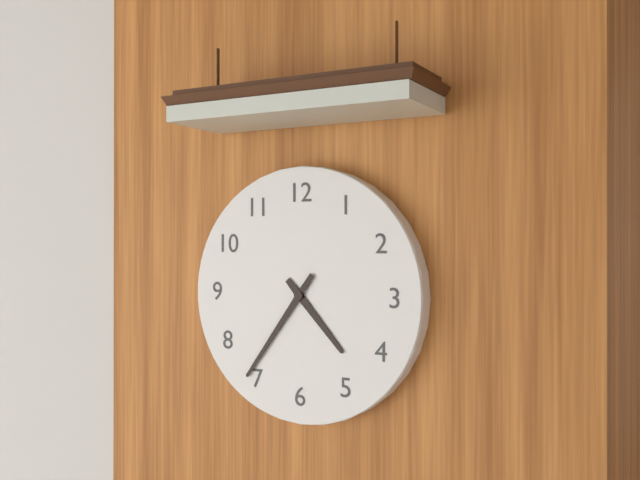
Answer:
h=4 m=36
